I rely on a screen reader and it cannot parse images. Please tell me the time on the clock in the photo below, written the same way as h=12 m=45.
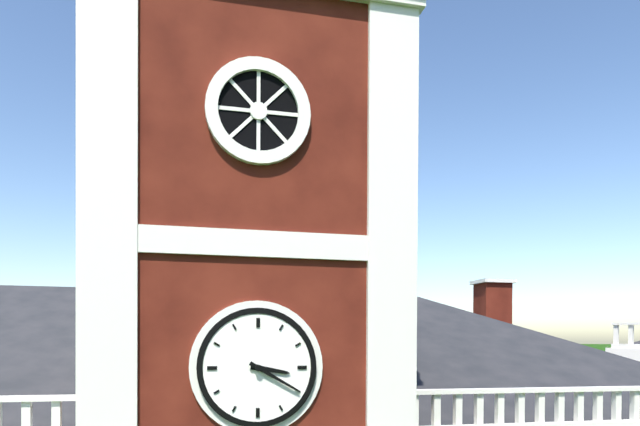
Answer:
h=3 m=20
